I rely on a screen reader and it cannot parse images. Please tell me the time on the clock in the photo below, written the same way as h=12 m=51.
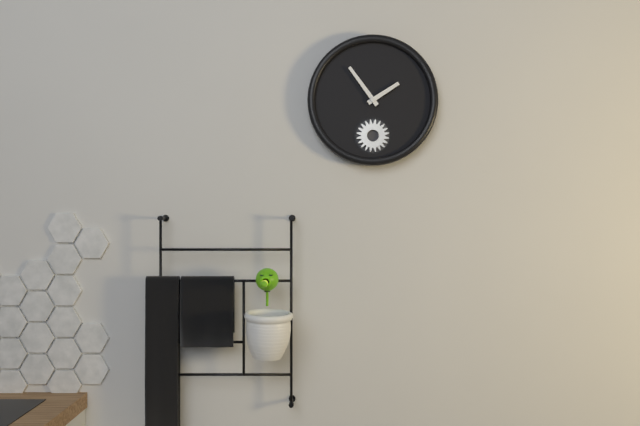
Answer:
h=1 m=54
